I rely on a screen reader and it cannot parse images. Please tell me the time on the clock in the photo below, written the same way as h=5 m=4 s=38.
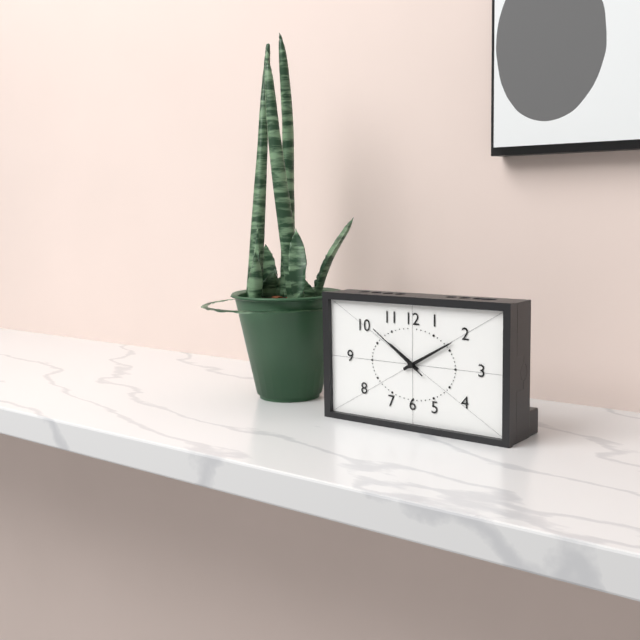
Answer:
h=10 m=10 s=51
